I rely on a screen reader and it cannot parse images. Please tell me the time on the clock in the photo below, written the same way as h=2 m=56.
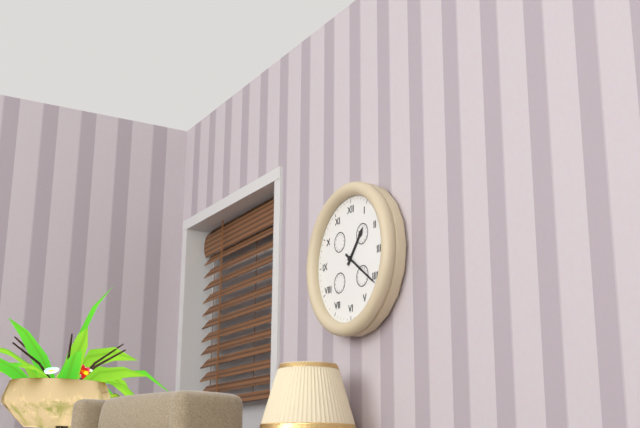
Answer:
h=1 m=21
